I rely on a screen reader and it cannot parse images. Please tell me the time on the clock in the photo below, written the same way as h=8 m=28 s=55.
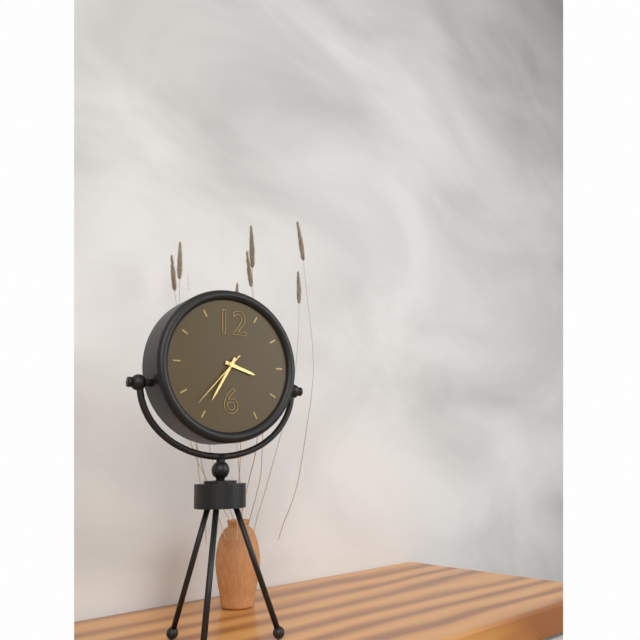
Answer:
h=3 m=35 s=37
